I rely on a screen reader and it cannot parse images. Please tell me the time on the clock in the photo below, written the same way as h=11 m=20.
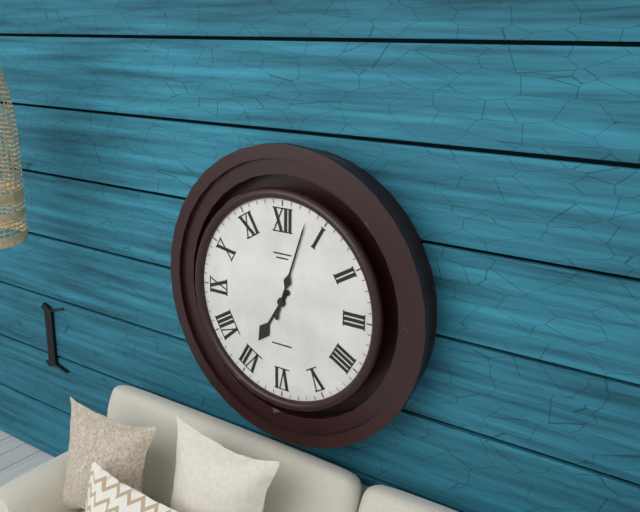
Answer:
h=7 m=3
